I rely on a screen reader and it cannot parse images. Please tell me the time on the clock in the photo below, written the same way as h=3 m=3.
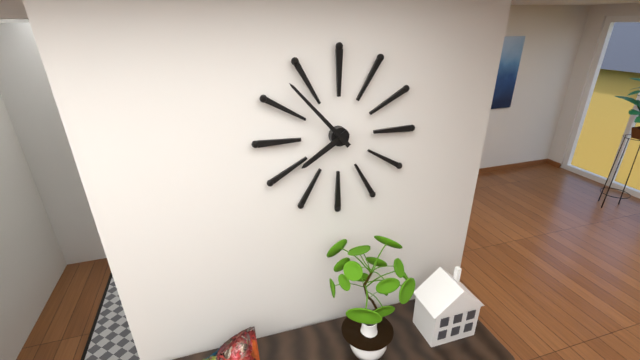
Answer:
h=7 m=53
